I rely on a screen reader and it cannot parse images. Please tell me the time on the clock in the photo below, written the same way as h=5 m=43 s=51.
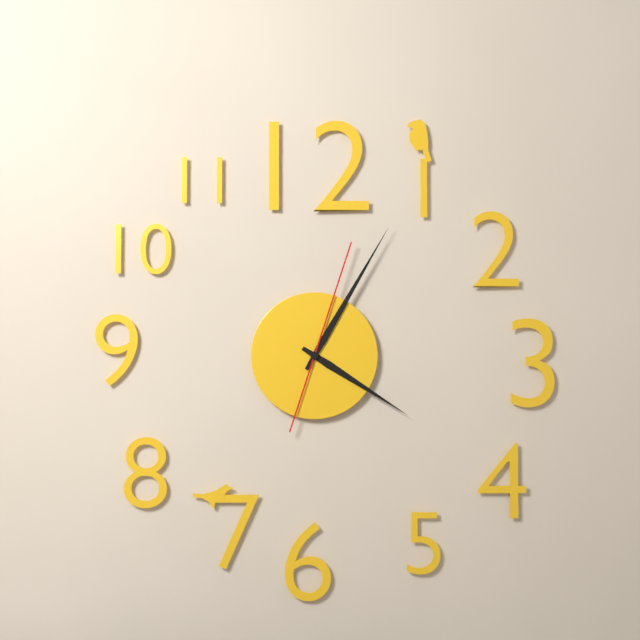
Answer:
h=4 m=5 s=3
